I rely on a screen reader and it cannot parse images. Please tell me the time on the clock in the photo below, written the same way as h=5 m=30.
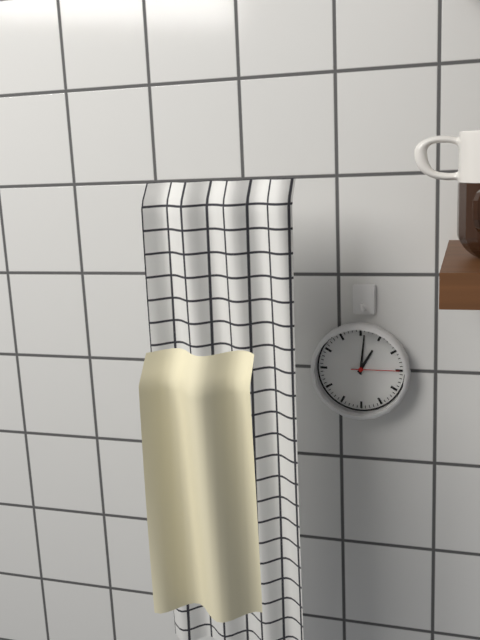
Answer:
h=1 m=1
